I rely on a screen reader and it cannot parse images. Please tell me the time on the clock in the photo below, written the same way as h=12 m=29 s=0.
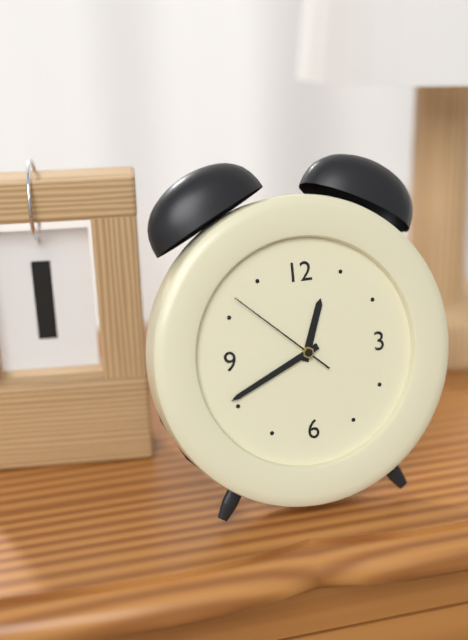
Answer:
h=12 m=41 s=52
